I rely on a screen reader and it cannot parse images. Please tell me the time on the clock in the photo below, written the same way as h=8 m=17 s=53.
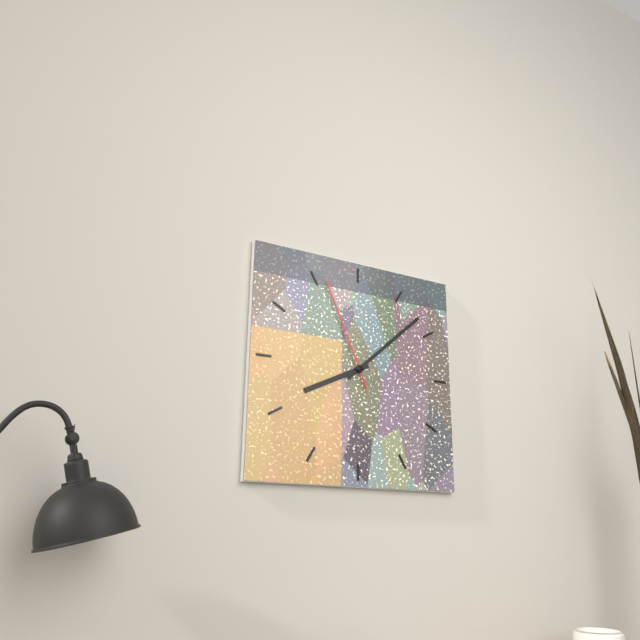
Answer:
h=8 m=8 s=56
